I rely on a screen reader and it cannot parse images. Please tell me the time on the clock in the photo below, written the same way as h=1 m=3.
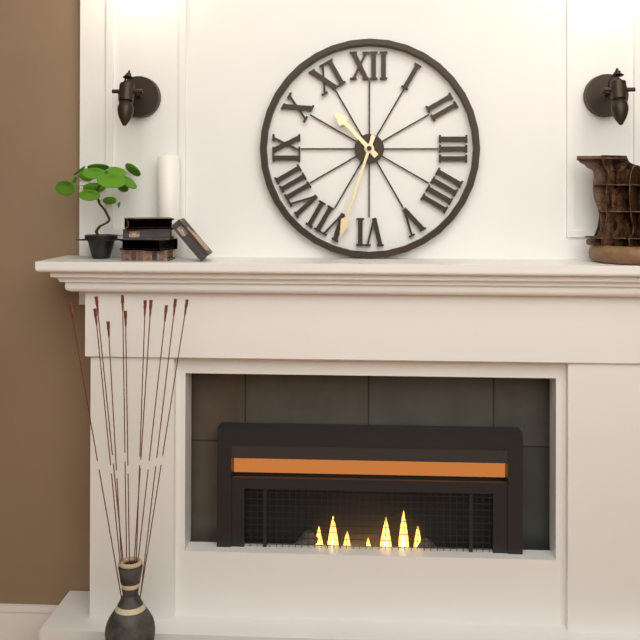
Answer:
h=10 m=33
